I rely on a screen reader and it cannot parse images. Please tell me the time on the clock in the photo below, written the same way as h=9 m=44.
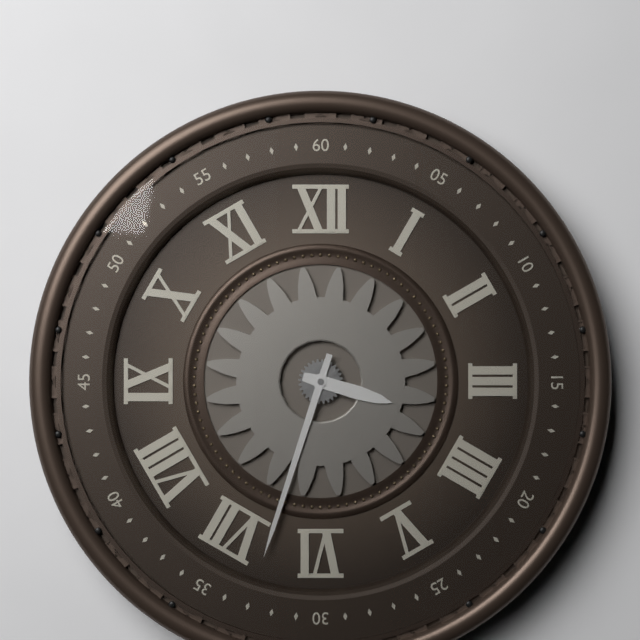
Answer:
h=3 m=33
